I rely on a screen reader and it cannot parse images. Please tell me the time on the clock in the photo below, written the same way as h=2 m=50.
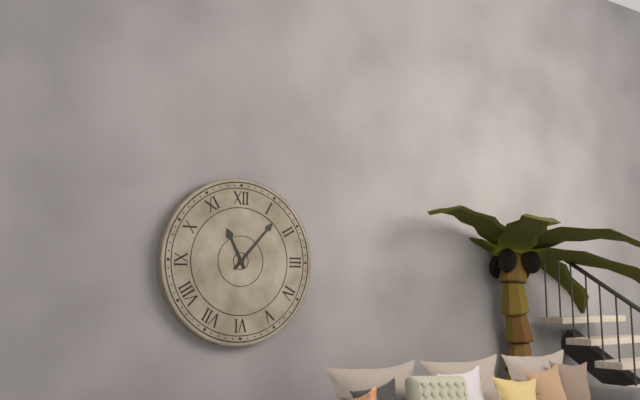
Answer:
h=11 m=7
